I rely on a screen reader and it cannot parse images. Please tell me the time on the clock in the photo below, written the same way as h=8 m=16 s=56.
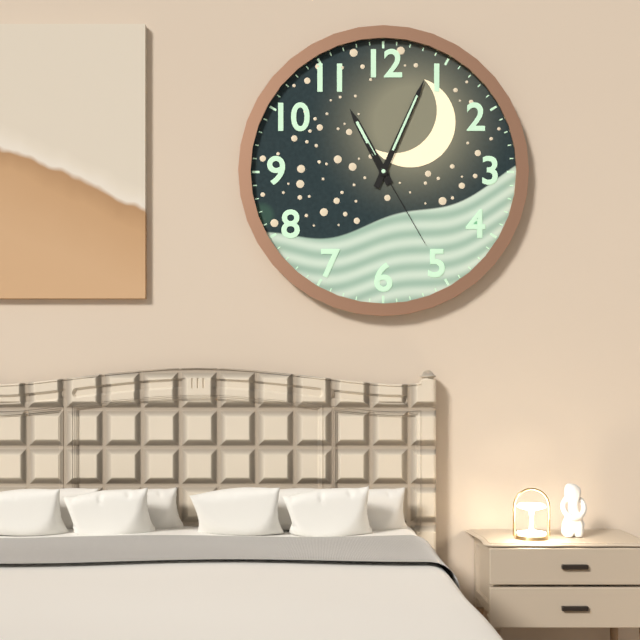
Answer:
h=11 m=4 s=25
